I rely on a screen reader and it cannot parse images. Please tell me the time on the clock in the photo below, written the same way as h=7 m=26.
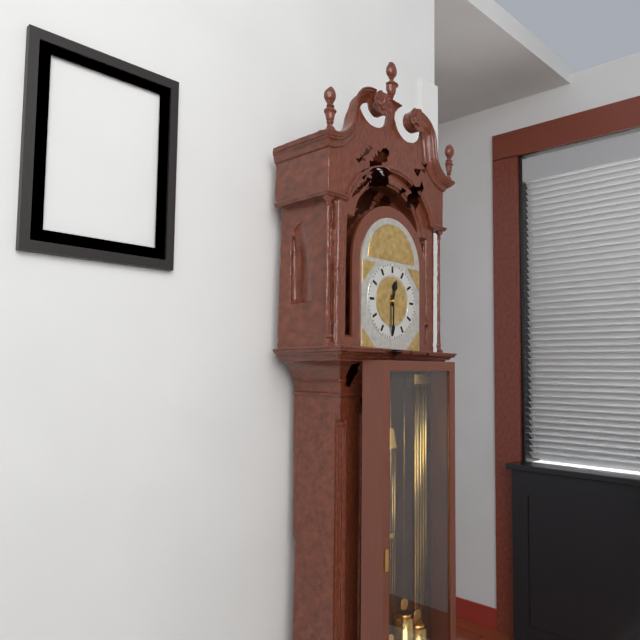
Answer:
h=12 m=30
